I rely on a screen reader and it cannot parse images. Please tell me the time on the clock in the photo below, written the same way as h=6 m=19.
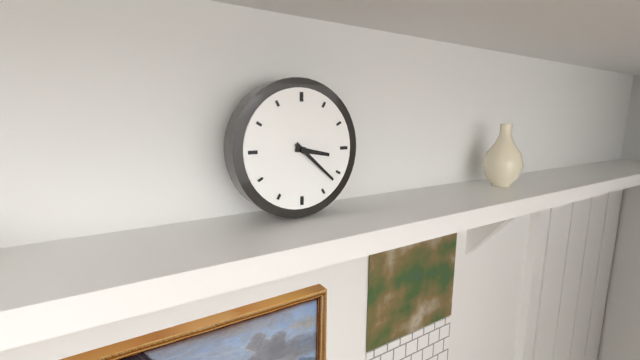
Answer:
h=3 m=22
